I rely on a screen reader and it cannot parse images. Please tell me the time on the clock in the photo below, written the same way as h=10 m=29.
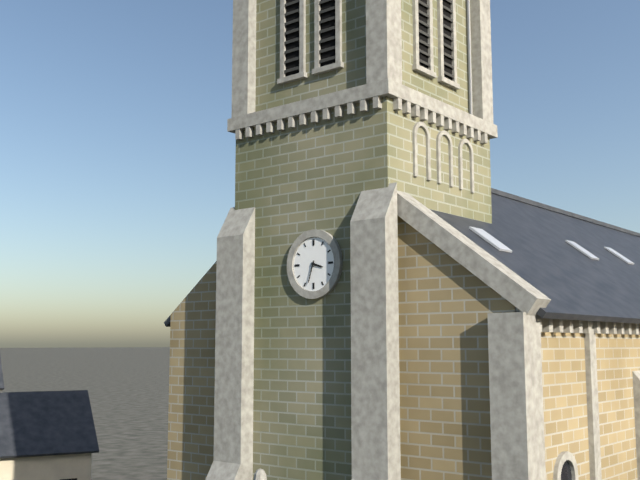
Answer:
h=3 m=33
